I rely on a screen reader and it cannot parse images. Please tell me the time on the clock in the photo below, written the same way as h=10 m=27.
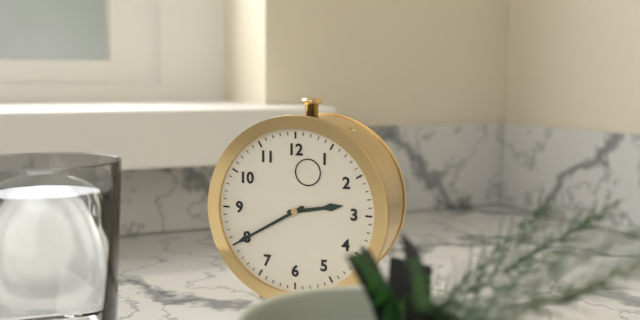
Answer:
h=2 m=40
